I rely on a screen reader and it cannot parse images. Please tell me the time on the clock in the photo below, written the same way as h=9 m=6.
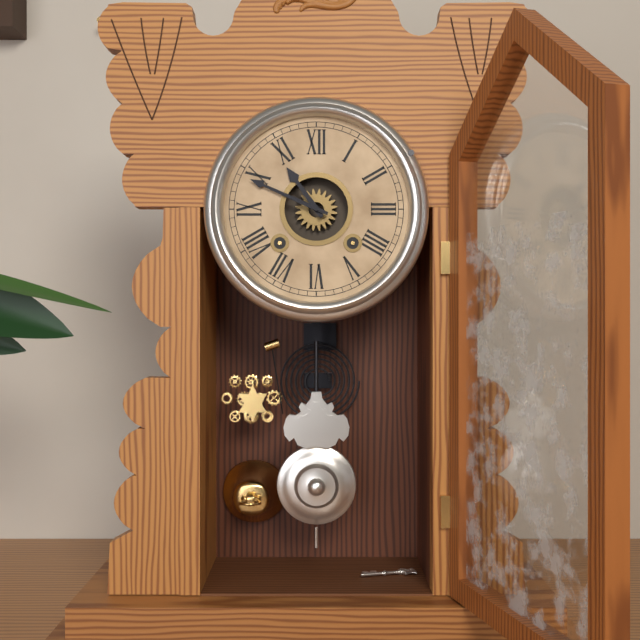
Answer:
h=10 m=49
